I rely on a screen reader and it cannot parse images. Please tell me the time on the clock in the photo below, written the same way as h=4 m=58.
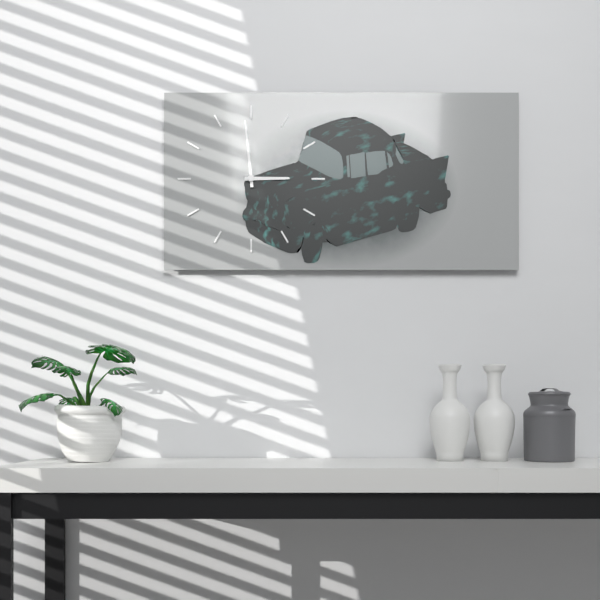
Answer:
h=2 m=59
